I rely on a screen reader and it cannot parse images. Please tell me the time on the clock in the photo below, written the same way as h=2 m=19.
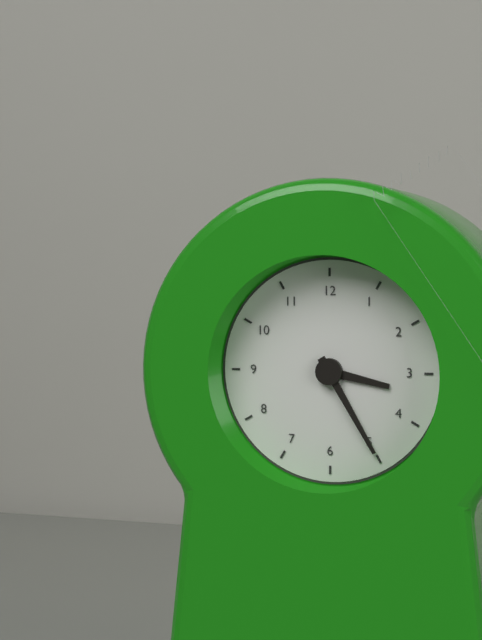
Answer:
h=3 m=25
